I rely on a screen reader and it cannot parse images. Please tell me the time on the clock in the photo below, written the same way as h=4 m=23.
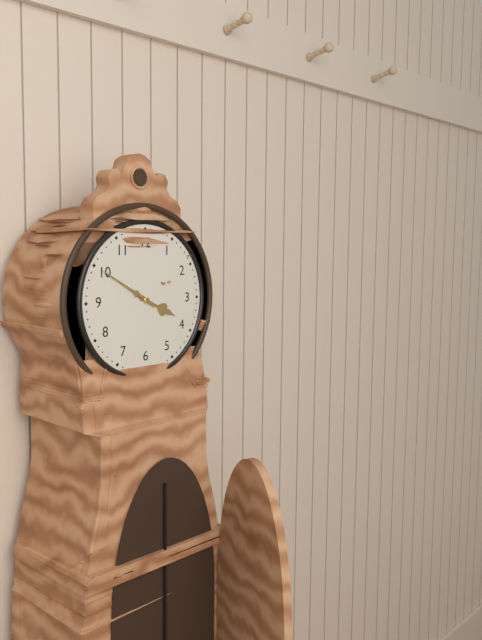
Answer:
h=3 m=50
